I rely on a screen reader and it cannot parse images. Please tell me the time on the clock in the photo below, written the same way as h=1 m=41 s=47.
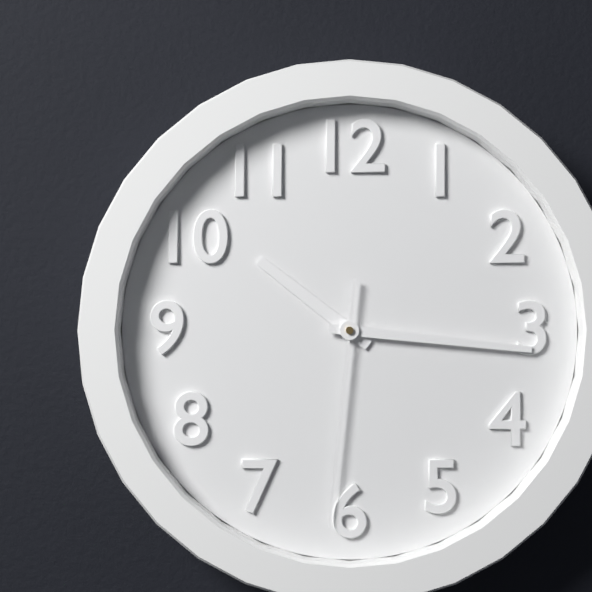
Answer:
h=10 m=16 s=31
